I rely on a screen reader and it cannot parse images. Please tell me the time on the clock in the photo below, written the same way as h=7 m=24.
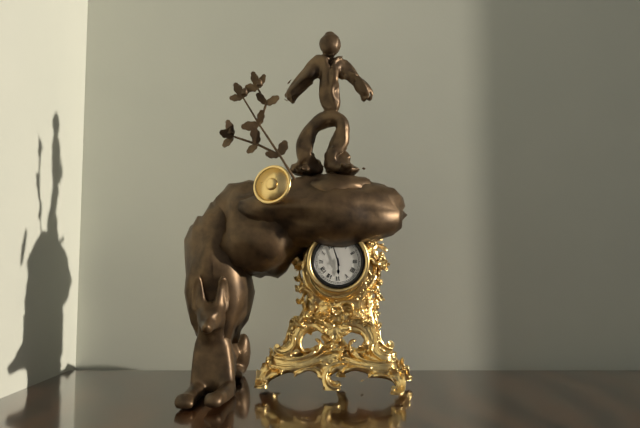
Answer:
h=5 m=57
